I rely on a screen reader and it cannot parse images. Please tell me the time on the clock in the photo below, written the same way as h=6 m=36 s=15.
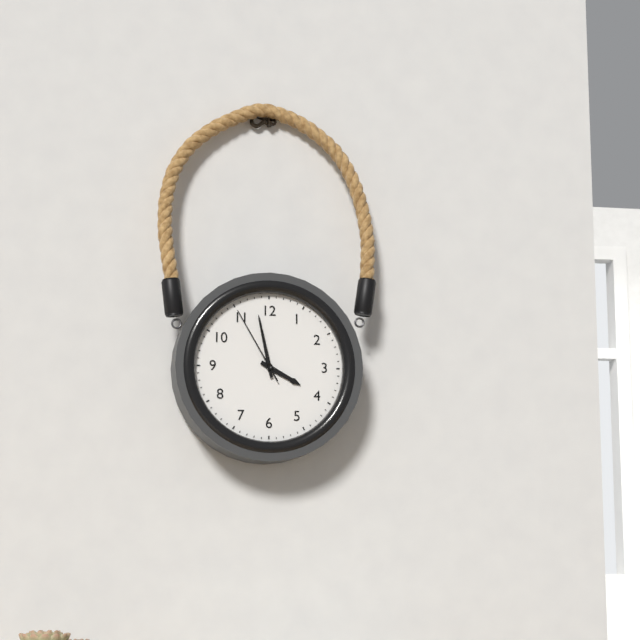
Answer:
h=3 m=58 s=55
